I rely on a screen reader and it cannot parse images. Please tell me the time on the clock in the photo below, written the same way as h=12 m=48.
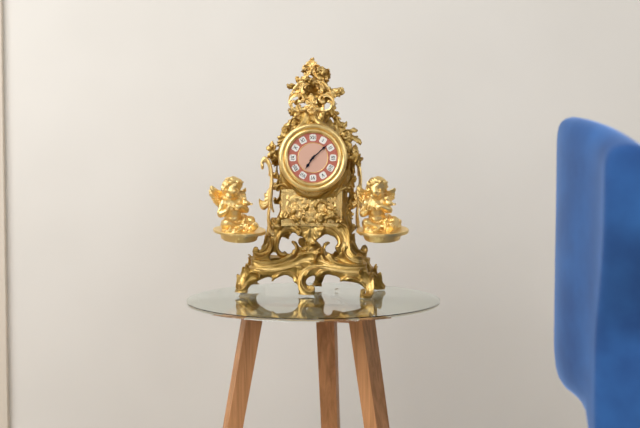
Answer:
h=7 m=8
